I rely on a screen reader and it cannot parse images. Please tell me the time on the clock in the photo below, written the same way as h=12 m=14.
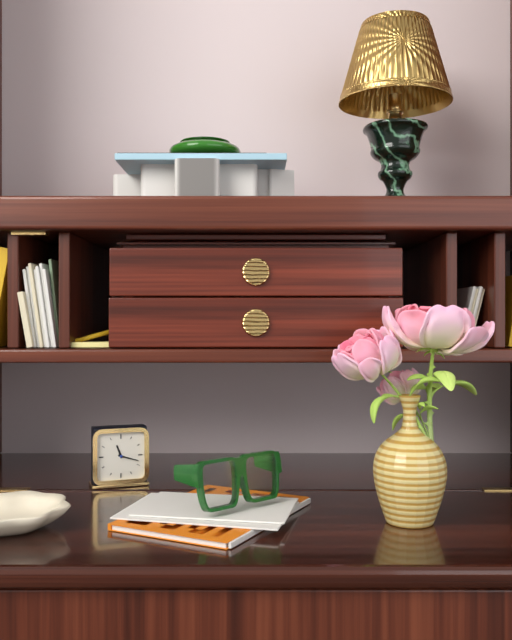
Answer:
h=11 m=18
